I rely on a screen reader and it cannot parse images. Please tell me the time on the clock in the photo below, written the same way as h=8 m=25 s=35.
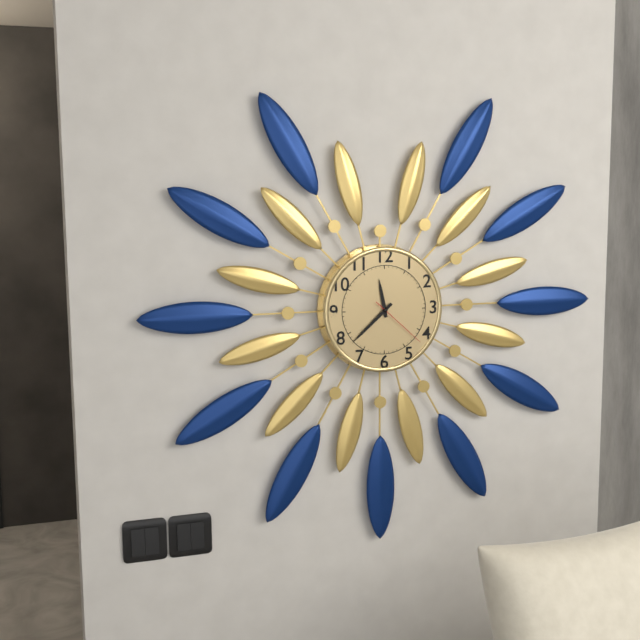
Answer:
h=11 m=38 s=22
